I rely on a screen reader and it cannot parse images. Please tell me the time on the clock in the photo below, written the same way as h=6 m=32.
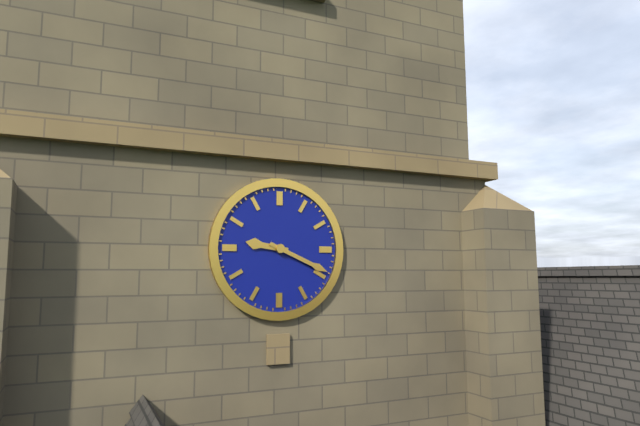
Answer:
h=9 m=19
